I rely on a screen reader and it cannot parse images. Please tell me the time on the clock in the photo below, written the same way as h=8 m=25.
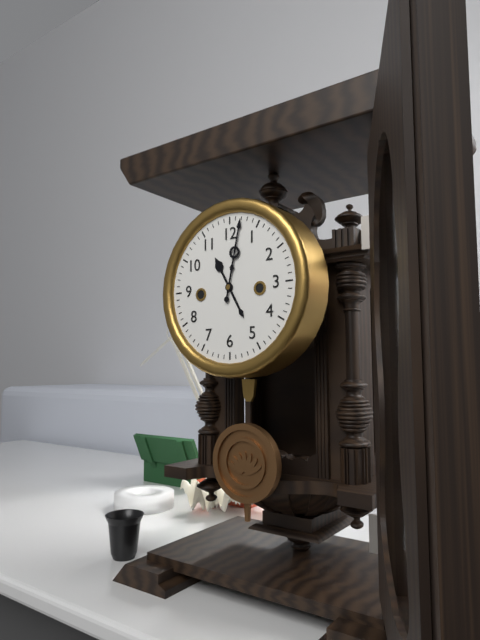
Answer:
h=11 m=2
